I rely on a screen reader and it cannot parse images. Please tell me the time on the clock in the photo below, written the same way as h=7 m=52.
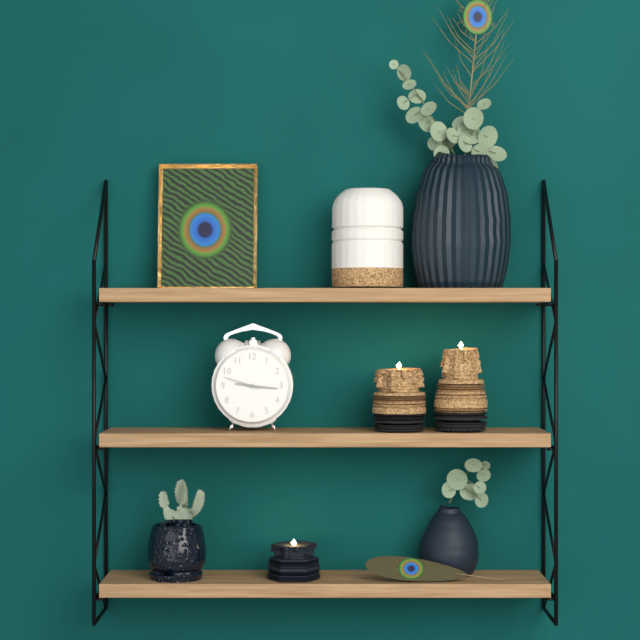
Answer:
h=9 m=16
